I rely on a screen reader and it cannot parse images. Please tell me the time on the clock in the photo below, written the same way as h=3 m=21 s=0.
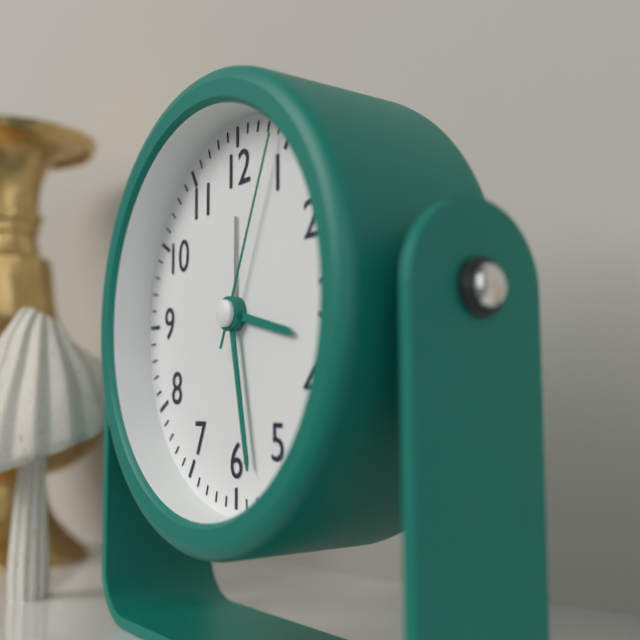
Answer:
h=3 m=28 s=4
